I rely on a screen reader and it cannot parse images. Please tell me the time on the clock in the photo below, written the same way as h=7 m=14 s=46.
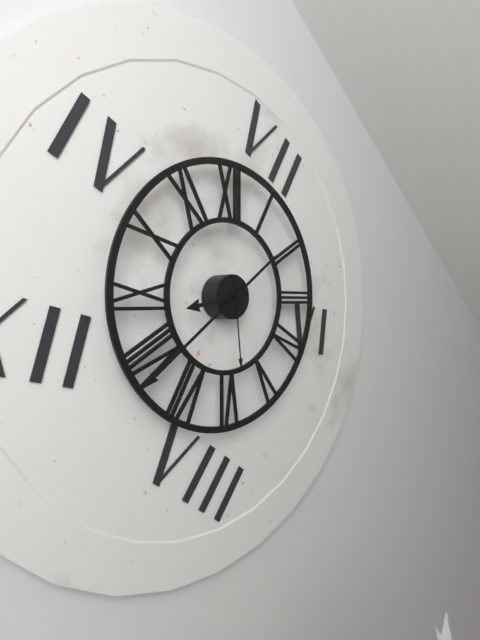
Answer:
h=8 m=39 s=29
